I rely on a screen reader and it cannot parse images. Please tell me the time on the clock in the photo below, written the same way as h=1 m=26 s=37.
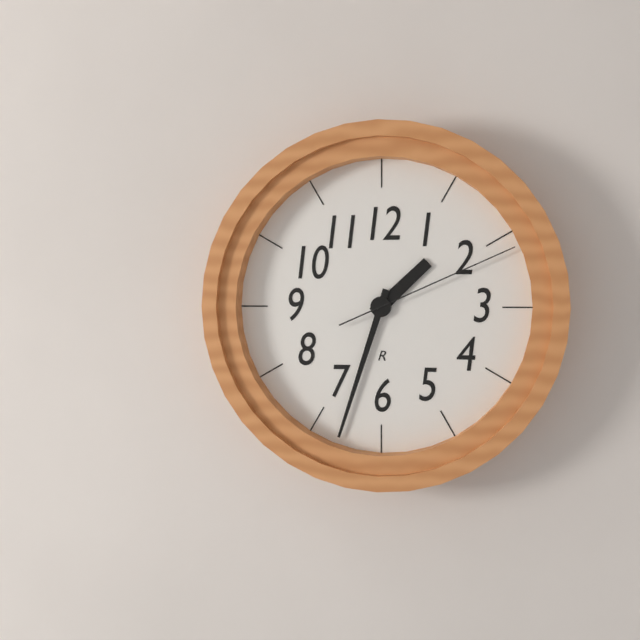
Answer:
h=1 m=33 s=11
